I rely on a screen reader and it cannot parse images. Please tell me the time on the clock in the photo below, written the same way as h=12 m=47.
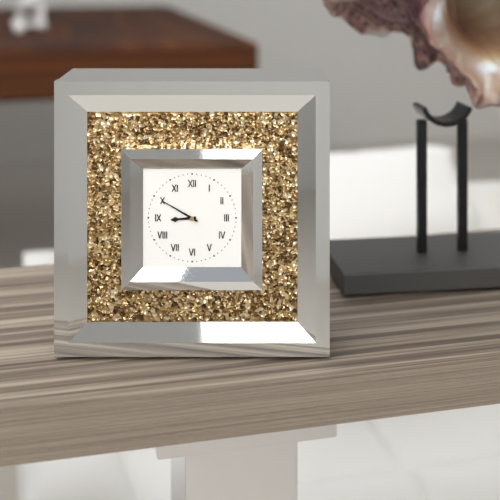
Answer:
h=8 m=50
